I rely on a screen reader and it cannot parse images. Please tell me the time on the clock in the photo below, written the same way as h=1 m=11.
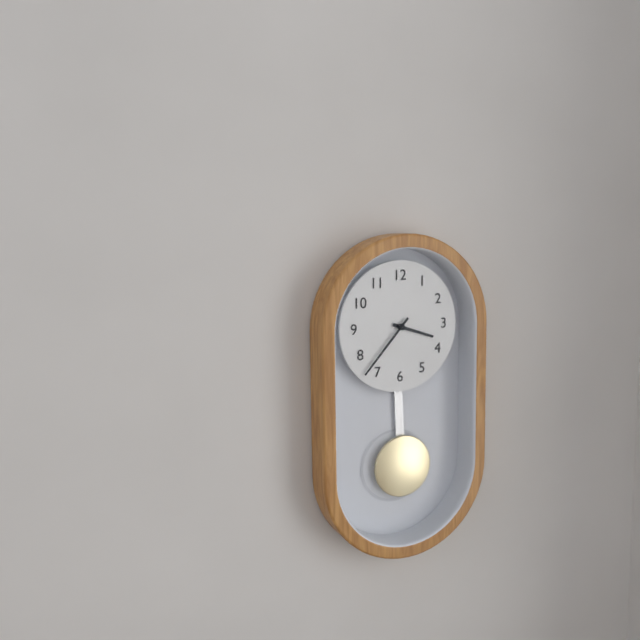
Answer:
h=3 m=37
